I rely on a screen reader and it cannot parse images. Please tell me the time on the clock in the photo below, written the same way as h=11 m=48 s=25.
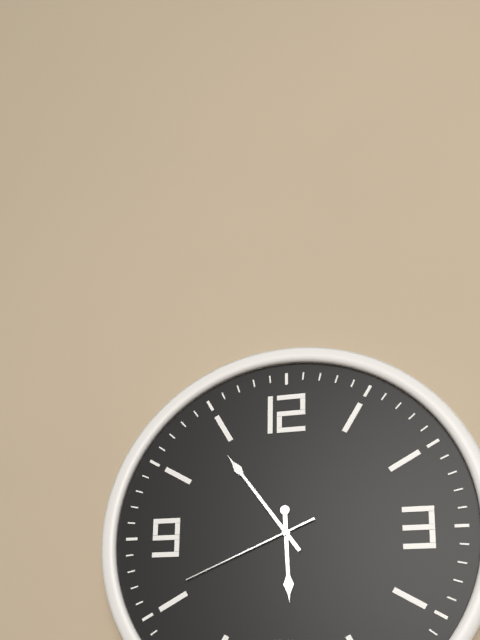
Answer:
h=5 m=54 s=41
